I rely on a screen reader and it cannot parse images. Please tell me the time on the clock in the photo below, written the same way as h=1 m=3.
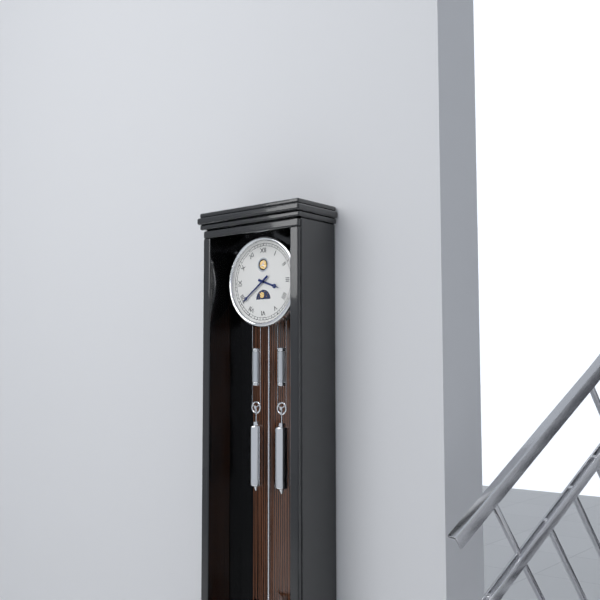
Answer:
h=3 m=39
